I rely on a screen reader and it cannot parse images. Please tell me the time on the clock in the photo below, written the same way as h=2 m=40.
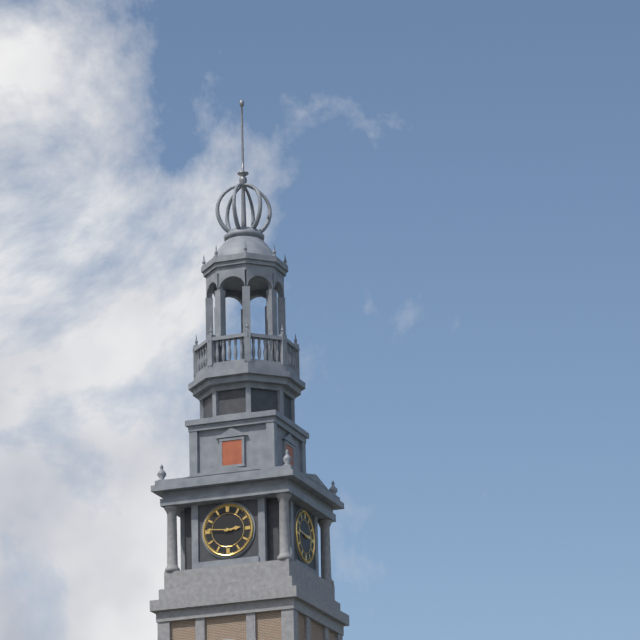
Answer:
h=2 m=46
